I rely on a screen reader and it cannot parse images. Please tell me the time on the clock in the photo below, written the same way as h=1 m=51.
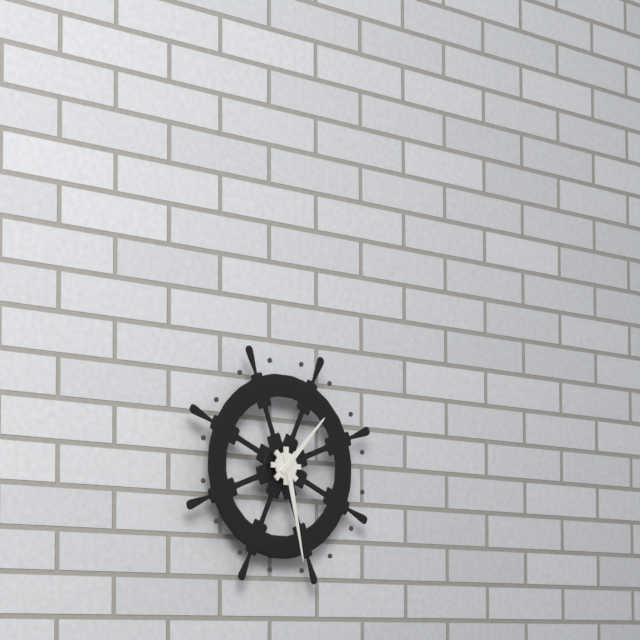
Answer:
h=1 m=28
